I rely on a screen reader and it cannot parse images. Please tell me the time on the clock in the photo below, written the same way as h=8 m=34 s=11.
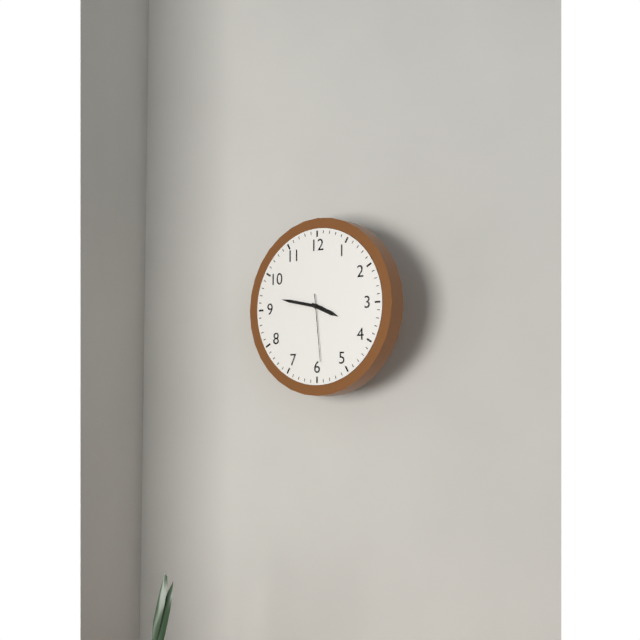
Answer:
h=3 m=47 s=29
